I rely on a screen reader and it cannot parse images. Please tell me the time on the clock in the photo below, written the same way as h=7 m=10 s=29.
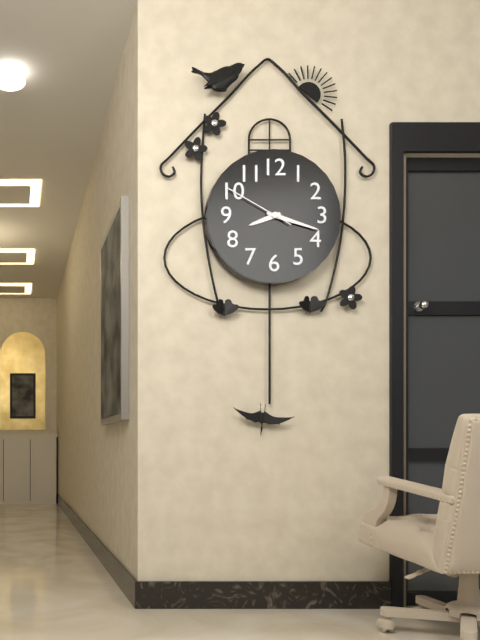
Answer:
h=8 m=18 s=50
